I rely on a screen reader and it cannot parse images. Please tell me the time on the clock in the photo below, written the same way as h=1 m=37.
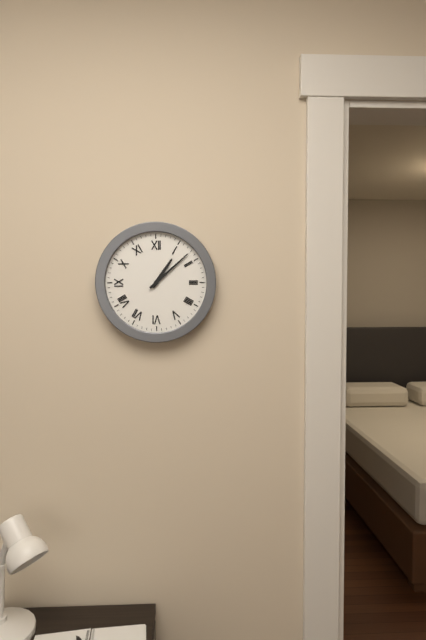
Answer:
h=1 m=8
